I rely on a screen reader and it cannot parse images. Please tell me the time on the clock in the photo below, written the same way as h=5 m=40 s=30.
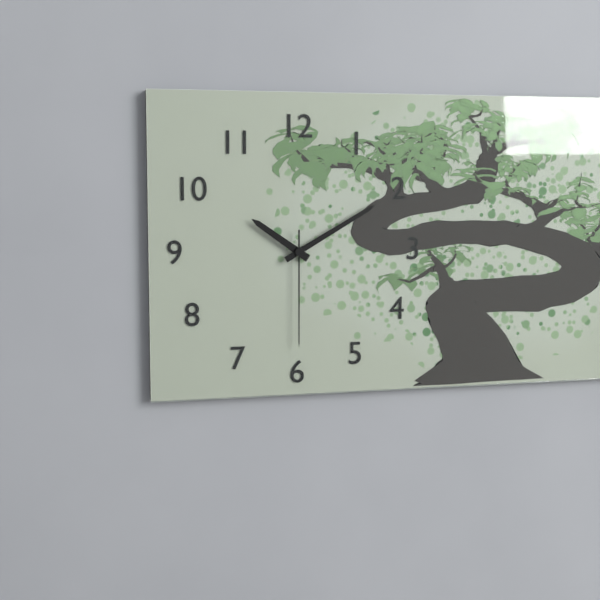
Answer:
h=10 m=10 s=30
